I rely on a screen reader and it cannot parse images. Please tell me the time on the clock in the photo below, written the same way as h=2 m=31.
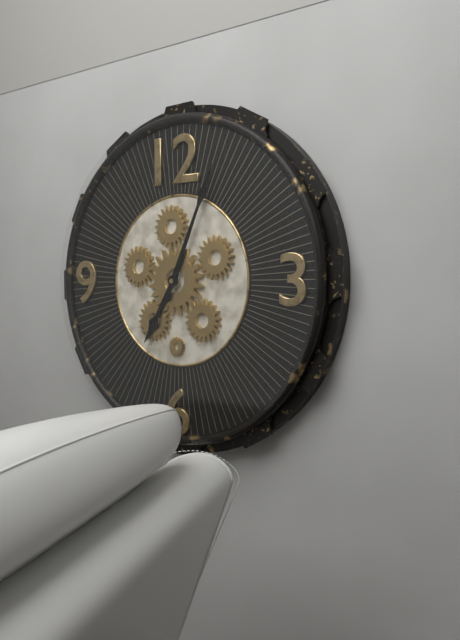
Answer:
h=7 m=4
